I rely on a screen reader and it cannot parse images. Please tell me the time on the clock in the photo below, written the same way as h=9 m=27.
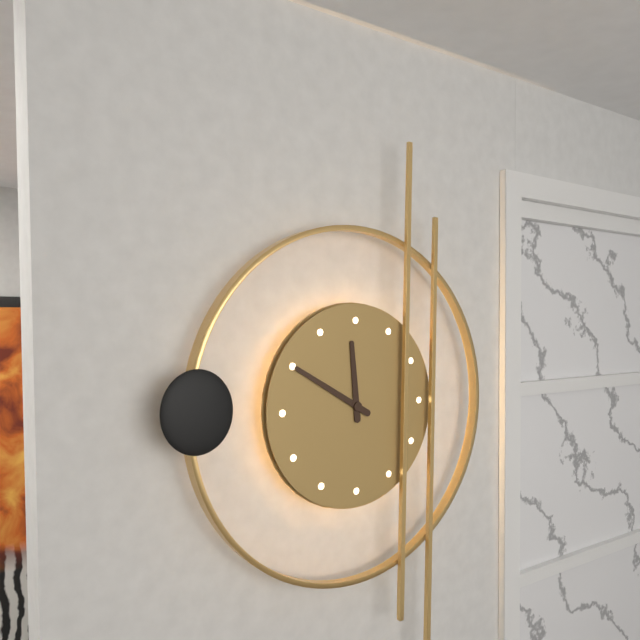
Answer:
h=11 m=50
